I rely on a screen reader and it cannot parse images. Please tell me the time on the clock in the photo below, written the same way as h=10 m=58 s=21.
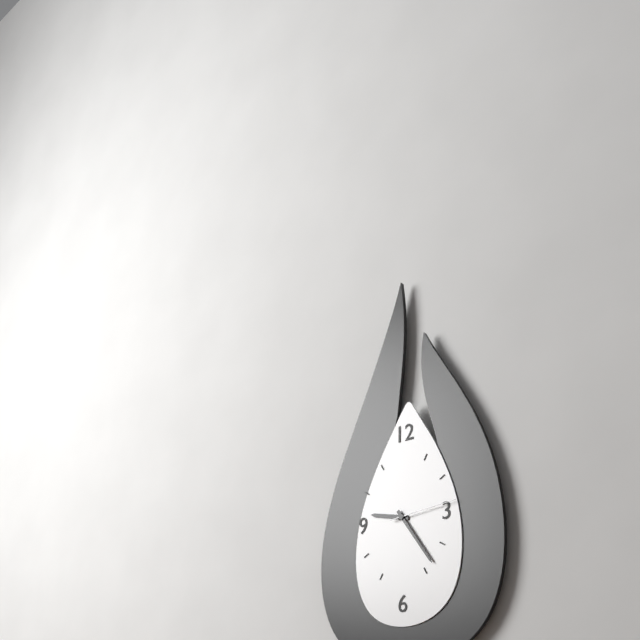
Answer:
h=9 m=24 s=14
